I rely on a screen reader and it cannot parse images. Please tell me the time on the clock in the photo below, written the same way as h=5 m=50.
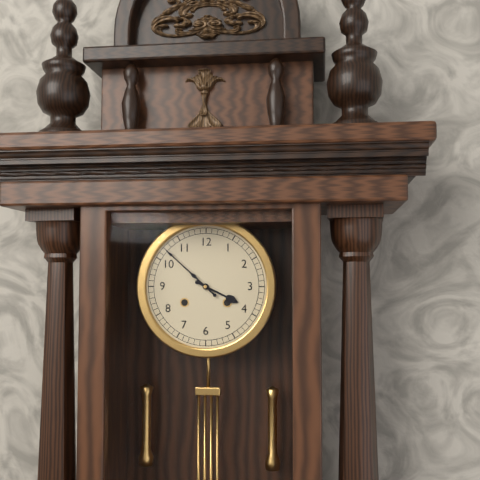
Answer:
h=3 m=52
